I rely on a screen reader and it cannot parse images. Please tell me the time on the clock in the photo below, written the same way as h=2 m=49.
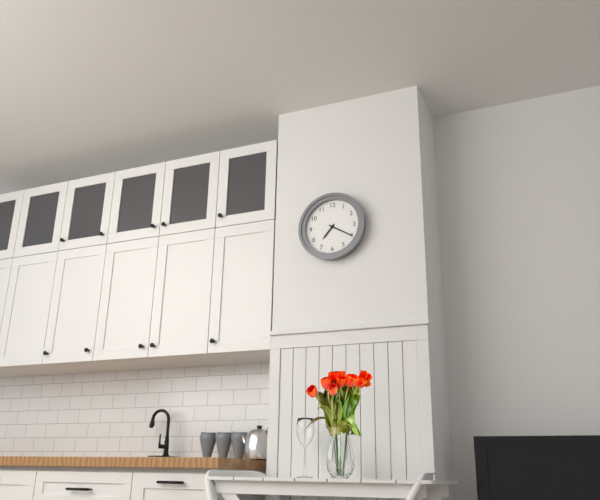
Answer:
h=7 m=20
